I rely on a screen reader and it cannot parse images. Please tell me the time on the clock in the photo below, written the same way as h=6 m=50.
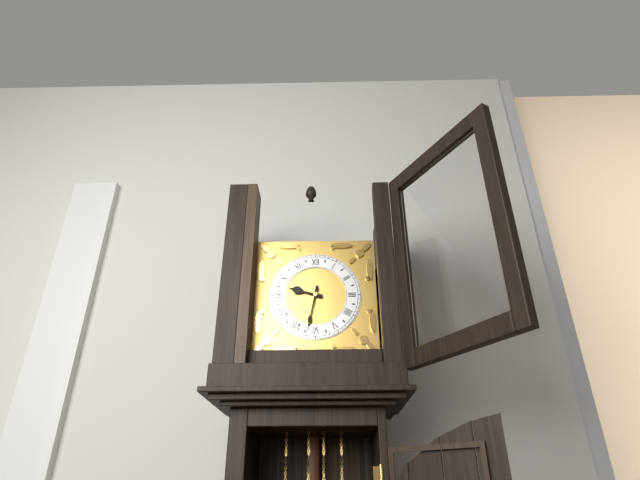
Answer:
h=9 m=32
